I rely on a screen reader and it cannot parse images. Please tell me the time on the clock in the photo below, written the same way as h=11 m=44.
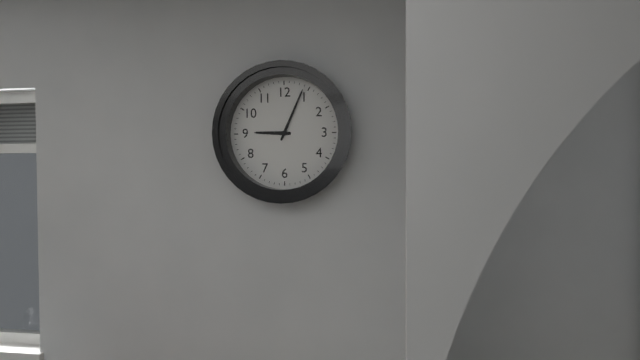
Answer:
h=9 m=4
